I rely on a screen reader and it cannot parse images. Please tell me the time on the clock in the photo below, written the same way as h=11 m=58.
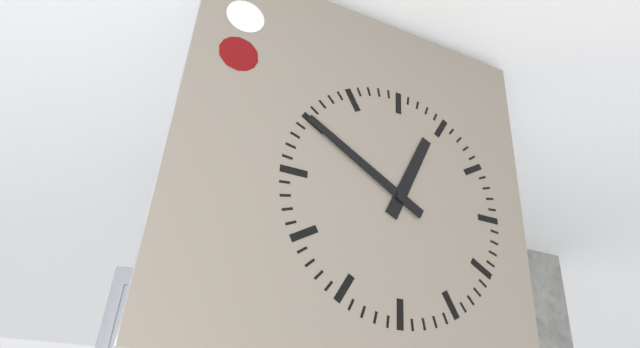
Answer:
h=12 m=50
